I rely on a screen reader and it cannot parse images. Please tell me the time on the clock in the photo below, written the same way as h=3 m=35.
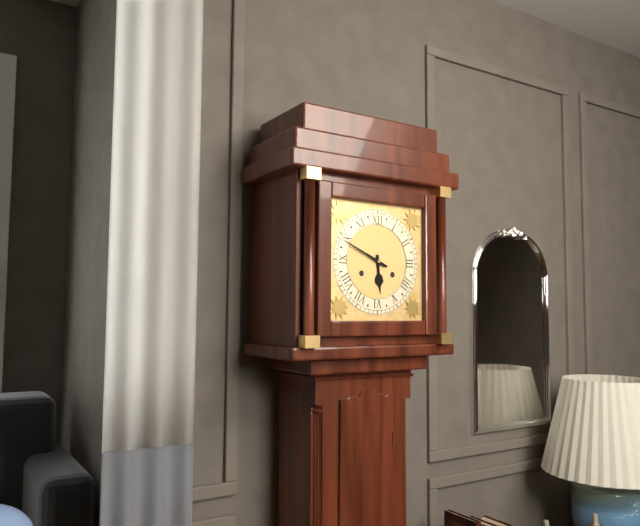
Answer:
h=5 m=49
